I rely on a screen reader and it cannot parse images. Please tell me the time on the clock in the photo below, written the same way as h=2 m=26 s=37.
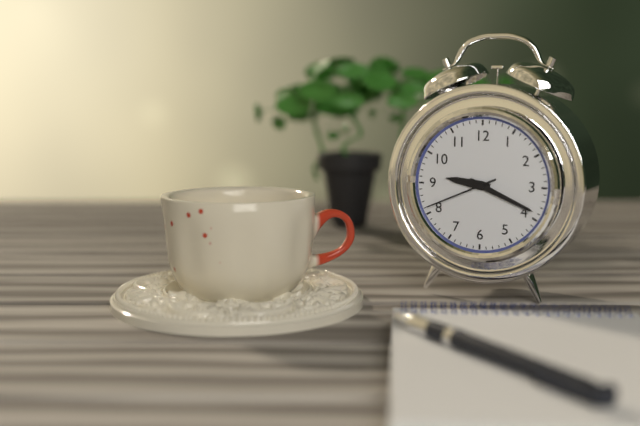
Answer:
h=9 m=19 s=41
